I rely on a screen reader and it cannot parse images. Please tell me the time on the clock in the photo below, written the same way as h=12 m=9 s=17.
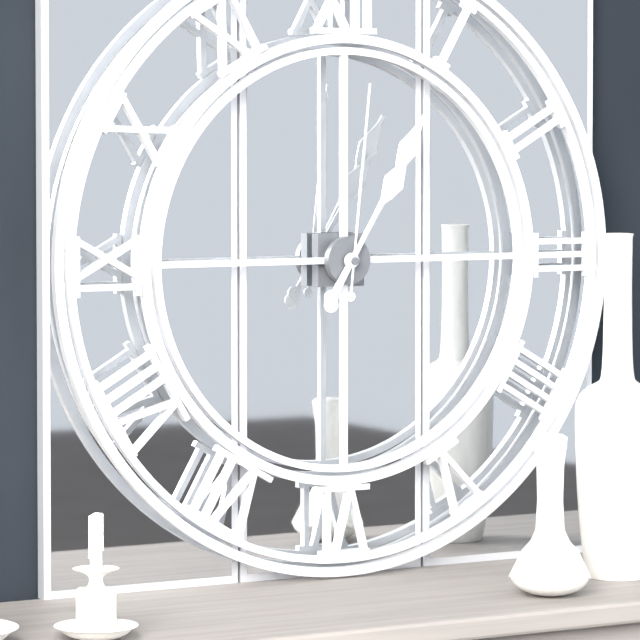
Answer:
h=1 m=5 s=1
